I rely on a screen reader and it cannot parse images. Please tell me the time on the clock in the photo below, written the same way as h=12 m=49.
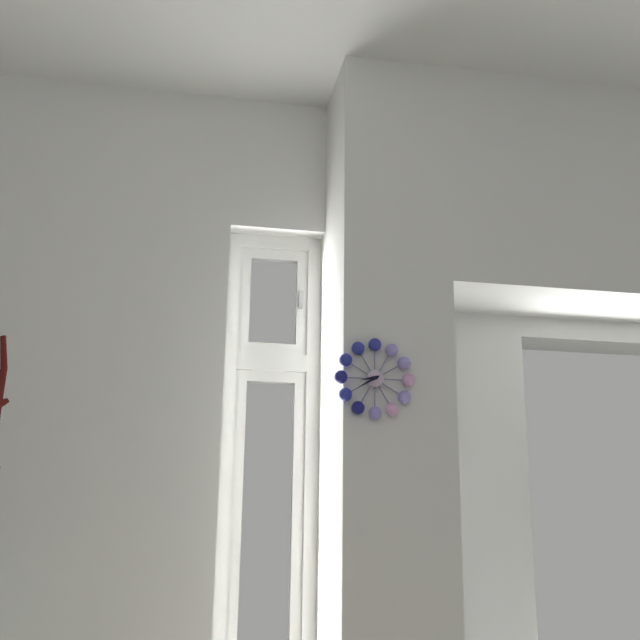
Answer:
h=8 m=40
